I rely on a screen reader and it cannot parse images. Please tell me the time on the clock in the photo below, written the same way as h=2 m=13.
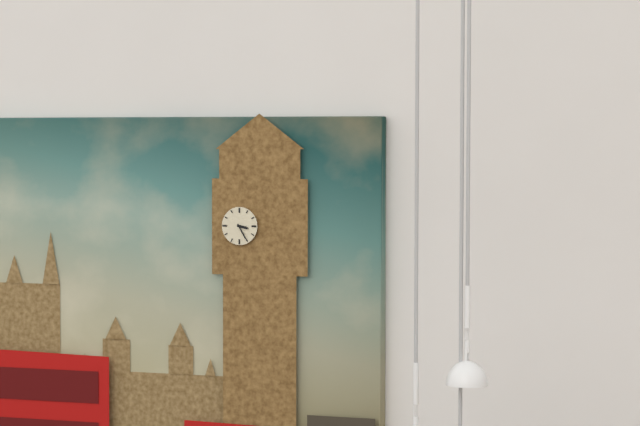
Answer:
h=3 m=25
